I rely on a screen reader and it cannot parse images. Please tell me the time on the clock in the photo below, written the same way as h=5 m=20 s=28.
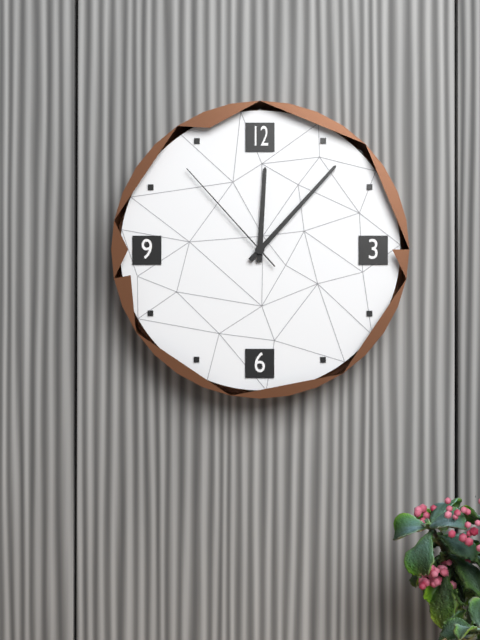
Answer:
h=12 m=7 s=53
